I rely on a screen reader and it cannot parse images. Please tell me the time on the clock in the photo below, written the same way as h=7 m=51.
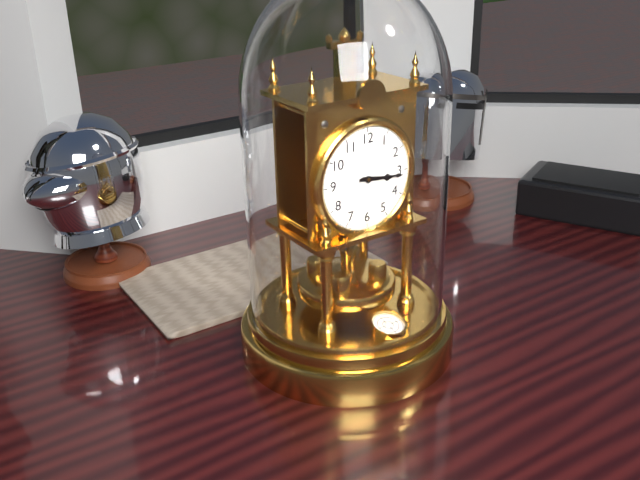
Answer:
h=3 m=16
